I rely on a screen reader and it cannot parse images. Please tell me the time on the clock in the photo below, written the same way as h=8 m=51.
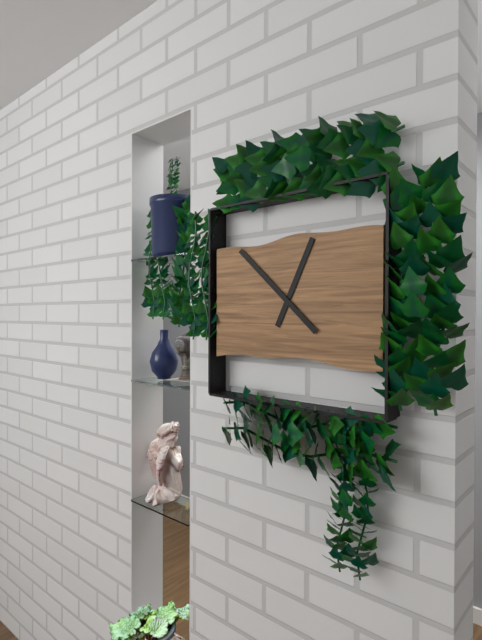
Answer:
h=12 m=52
